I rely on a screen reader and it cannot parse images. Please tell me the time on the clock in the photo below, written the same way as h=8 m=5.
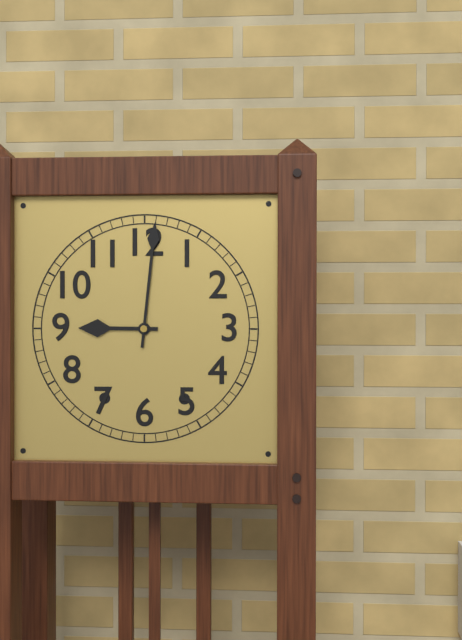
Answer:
h=9 m=1
